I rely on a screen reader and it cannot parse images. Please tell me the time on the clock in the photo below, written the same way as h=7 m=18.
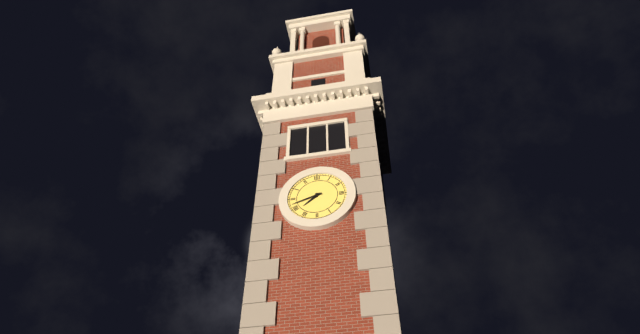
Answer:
h=7 m=42
